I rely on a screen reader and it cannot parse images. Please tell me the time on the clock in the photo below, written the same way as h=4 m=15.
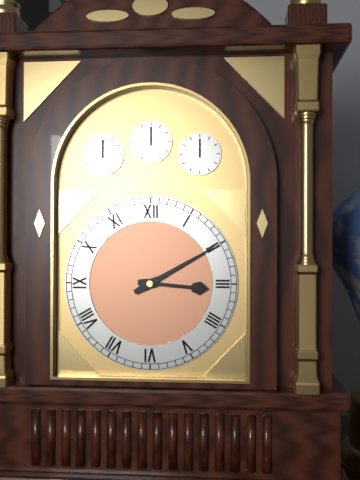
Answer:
h=3 m=10
